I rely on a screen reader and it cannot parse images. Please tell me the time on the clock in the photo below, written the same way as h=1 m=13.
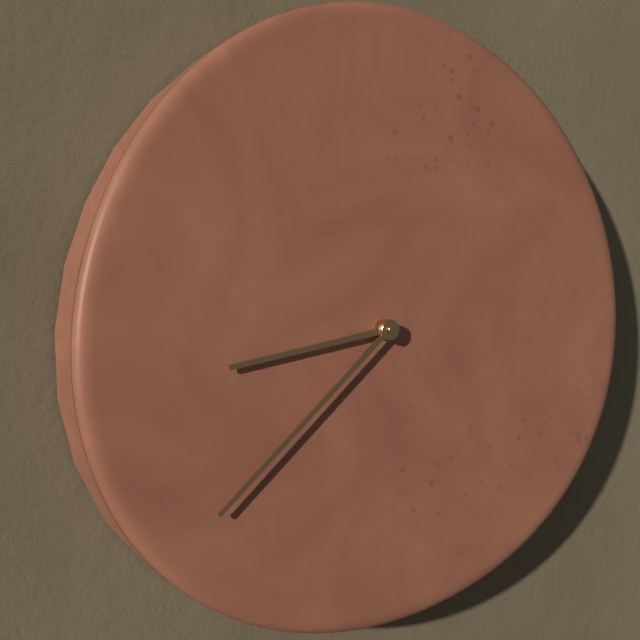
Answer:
h=8 m=38
